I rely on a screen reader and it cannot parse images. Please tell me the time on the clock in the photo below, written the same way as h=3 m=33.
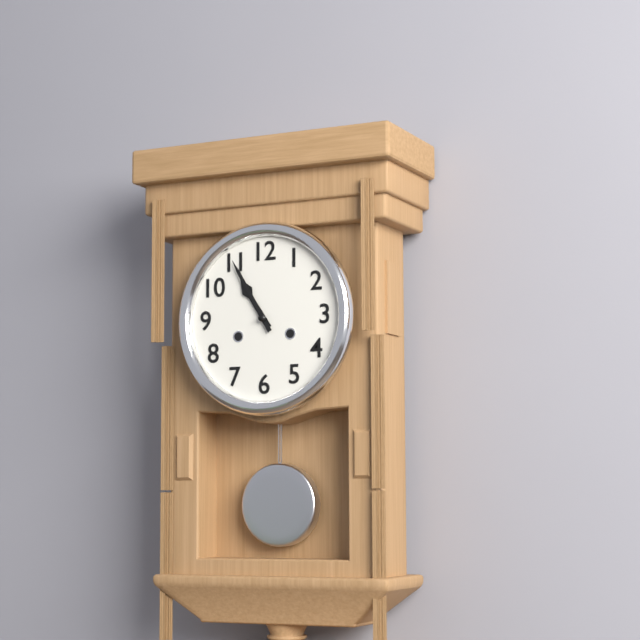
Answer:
h=10 m=55
